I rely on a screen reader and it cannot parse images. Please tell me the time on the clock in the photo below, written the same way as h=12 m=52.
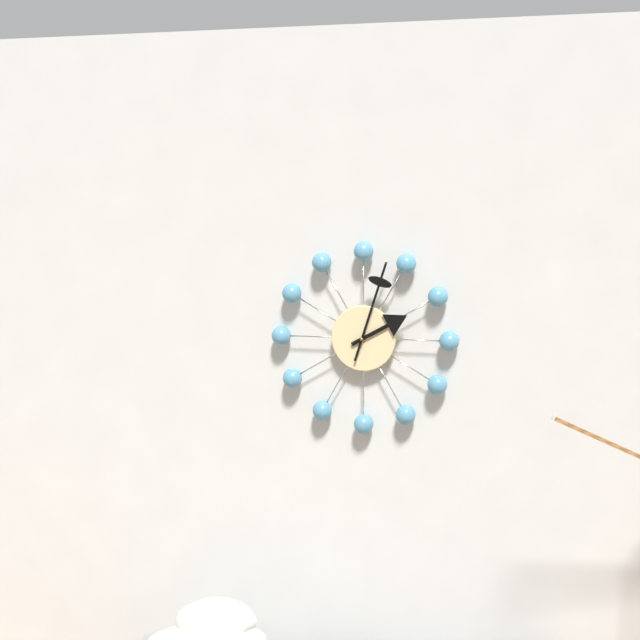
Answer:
h=2 m=3
